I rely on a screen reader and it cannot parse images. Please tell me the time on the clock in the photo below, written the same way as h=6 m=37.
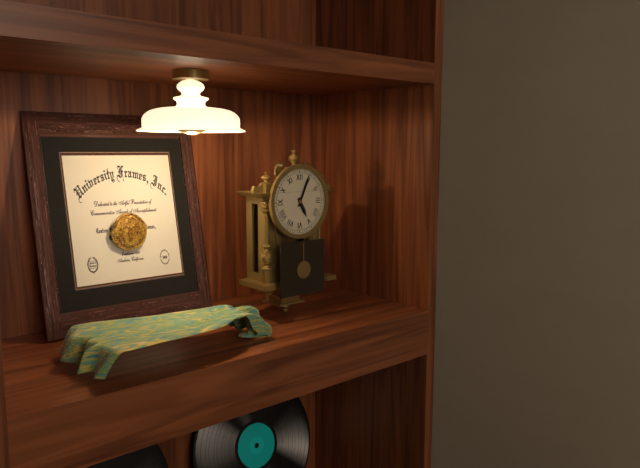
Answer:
h=5 m=4
